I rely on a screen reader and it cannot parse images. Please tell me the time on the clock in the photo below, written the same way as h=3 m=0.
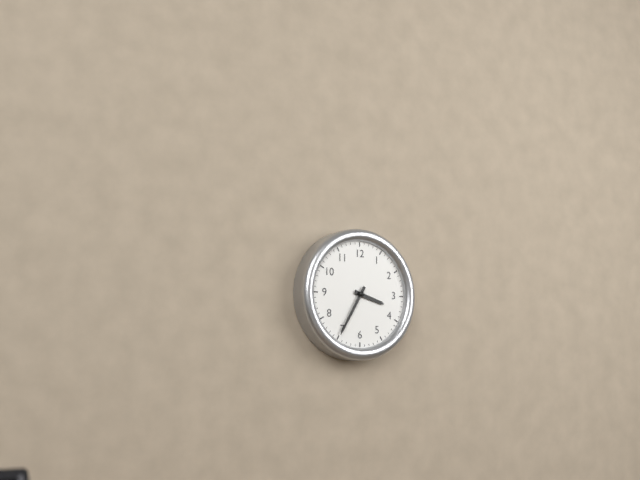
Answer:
h=3 m=35
